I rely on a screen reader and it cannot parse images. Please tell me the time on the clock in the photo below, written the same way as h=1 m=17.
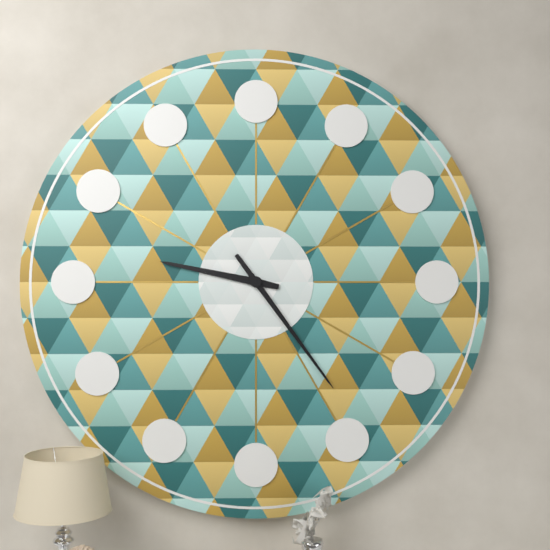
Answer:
h=9 m=24
